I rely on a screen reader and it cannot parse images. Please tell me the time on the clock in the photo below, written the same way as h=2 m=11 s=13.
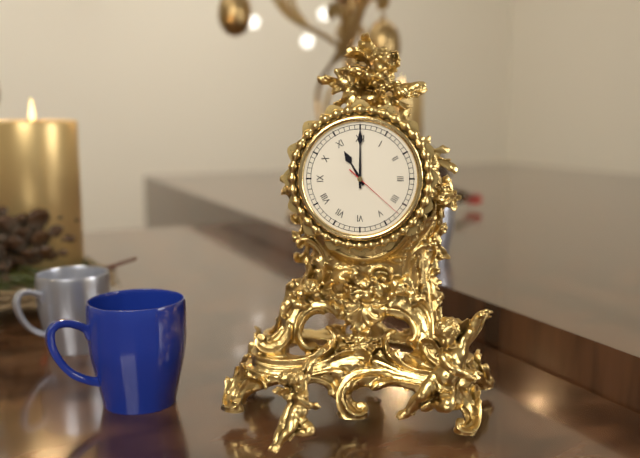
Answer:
h=11 m=0 s=22
